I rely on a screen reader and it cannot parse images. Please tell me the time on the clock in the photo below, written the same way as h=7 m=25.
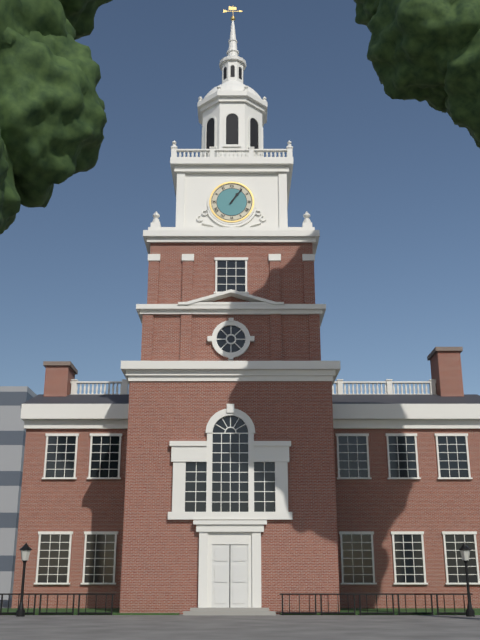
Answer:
h=1 m=6
